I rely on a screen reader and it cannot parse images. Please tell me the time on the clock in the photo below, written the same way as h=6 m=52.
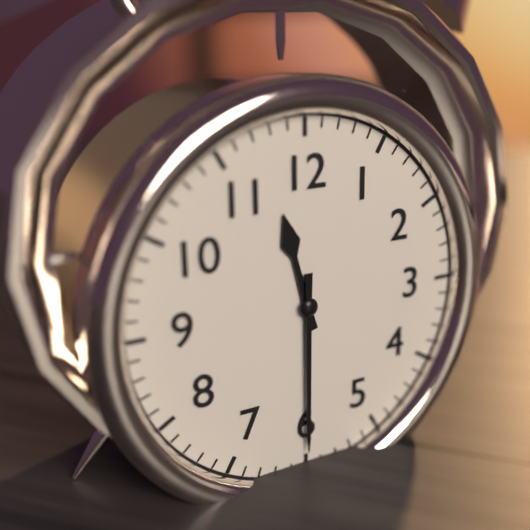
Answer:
h=11 m=30
